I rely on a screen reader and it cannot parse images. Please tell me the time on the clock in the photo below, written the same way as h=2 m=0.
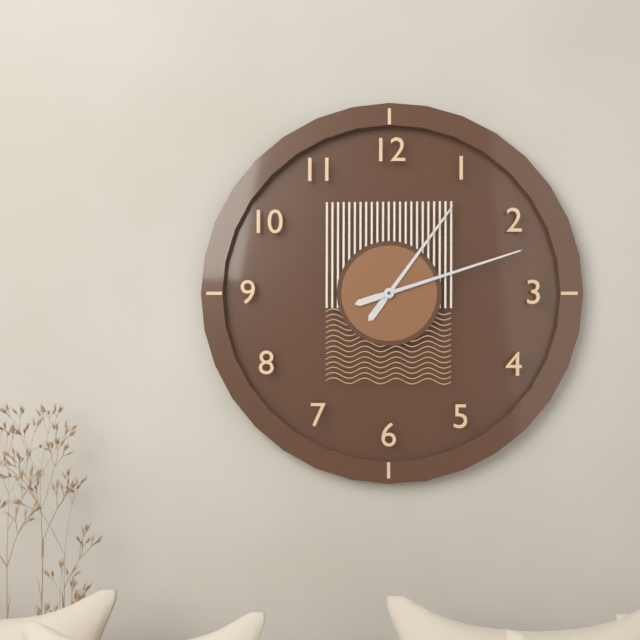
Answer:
h=1 m=12
